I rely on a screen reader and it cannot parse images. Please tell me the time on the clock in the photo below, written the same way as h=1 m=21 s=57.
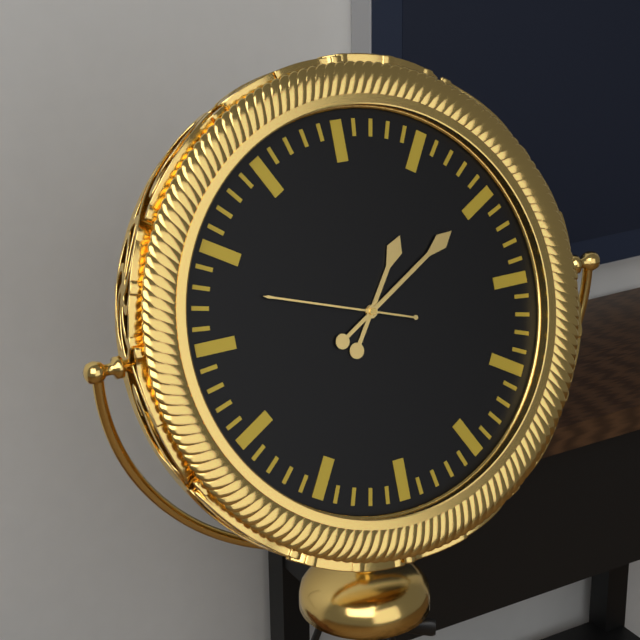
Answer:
h=1 m=10 s=48
